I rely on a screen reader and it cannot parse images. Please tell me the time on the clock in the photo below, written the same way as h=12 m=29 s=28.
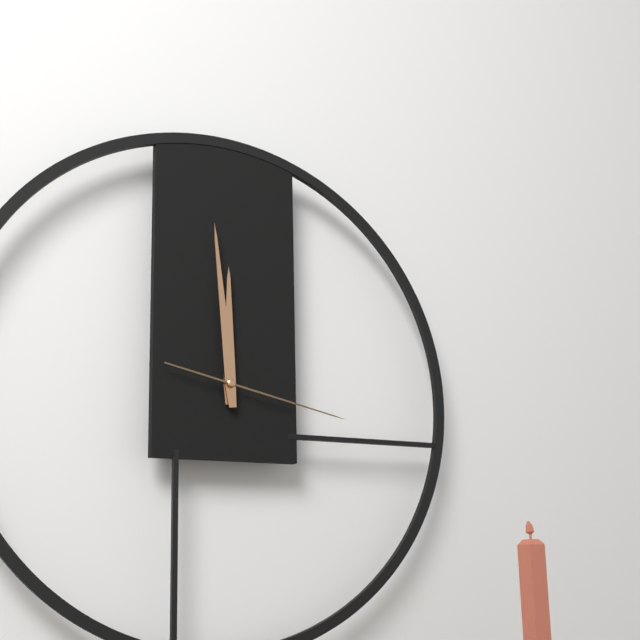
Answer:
h=11 m=59 s=17
